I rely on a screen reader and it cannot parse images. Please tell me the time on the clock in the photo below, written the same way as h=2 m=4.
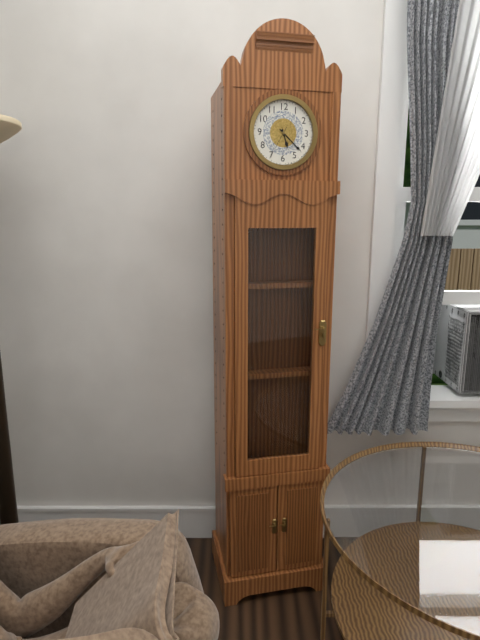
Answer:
h=5 m=22
